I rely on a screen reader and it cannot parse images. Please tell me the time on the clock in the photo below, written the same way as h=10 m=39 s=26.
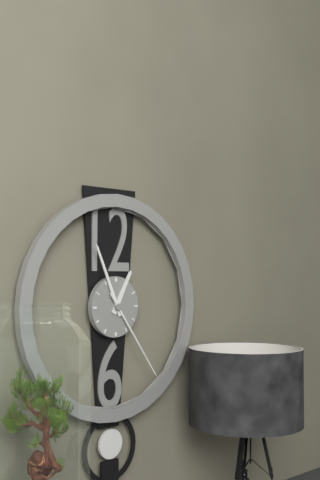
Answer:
h=12 m=56 s=24
